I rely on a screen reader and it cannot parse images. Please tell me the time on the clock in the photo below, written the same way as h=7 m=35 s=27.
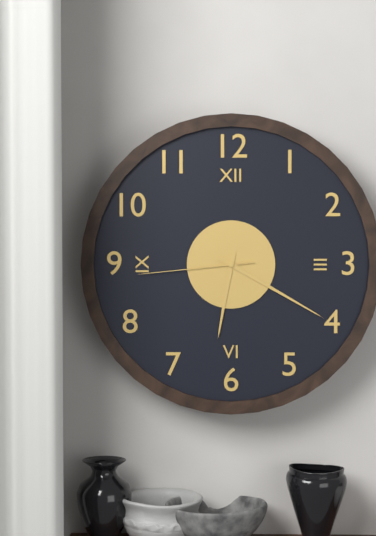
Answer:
h=6 m=20 s=44
